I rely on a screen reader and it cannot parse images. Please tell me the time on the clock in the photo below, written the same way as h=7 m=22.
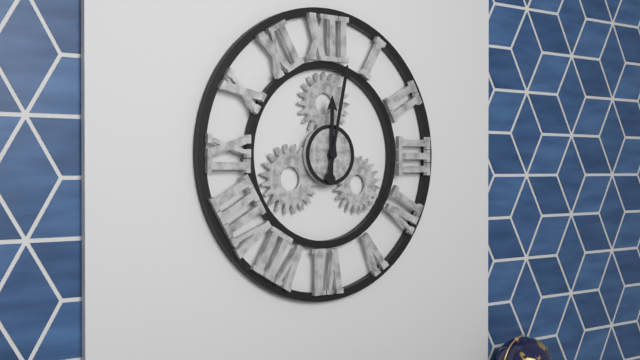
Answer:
h=12 m=2
